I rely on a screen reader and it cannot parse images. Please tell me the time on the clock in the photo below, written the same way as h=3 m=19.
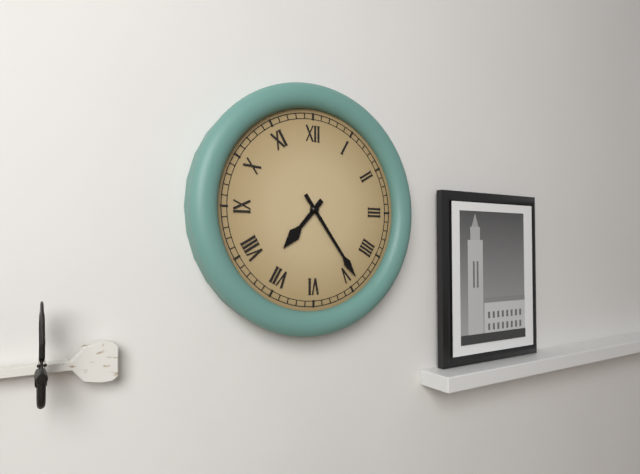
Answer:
h=7 m=24
